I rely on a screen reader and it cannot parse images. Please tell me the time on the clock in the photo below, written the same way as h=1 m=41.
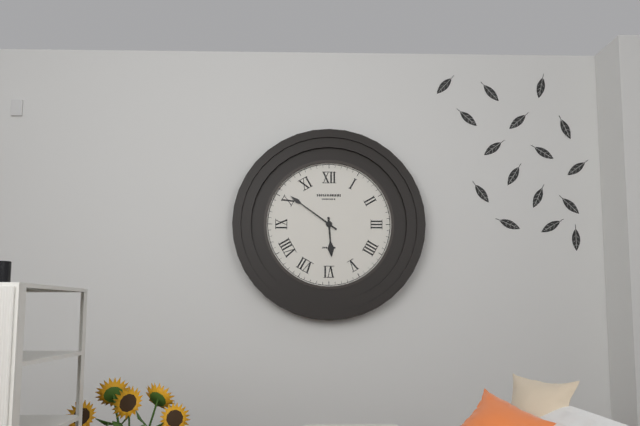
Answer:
h=5 m=51
